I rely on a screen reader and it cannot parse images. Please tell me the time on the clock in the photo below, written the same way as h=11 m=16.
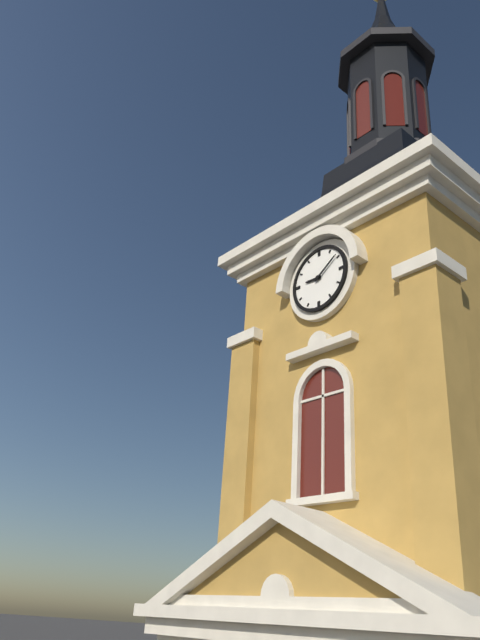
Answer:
h=9 m=9
